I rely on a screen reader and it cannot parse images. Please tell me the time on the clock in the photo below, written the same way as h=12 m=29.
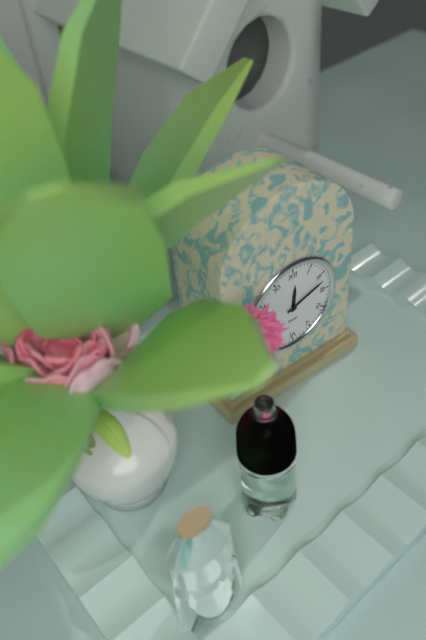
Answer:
h=12 m=12
